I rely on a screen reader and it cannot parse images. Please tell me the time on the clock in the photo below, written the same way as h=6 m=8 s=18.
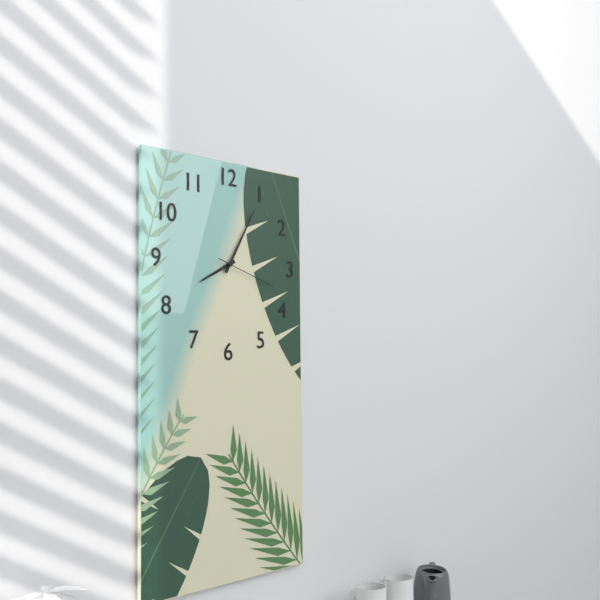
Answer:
h=8 m=5 s=18
